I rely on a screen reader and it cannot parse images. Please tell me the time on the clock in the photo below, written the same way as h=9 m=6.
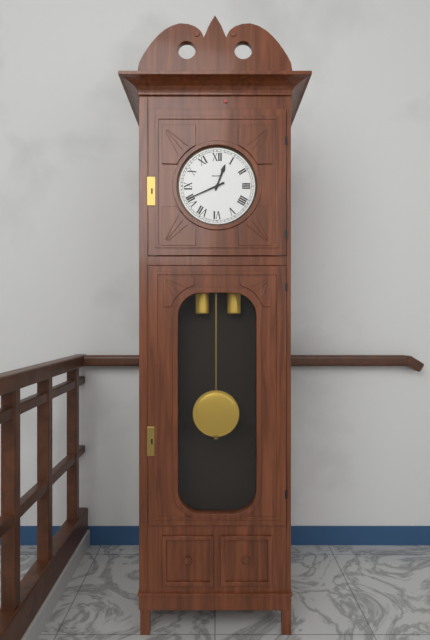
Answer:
h=12 m=41
